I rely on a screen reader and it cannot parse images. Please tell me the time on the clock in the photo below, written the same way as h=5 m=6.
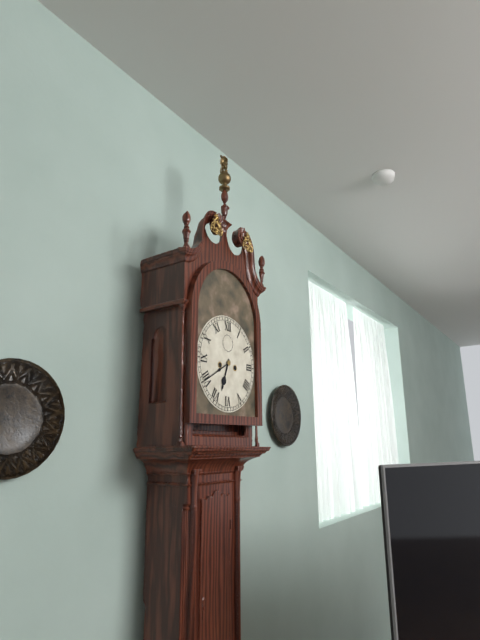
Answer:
h=6 m=40
